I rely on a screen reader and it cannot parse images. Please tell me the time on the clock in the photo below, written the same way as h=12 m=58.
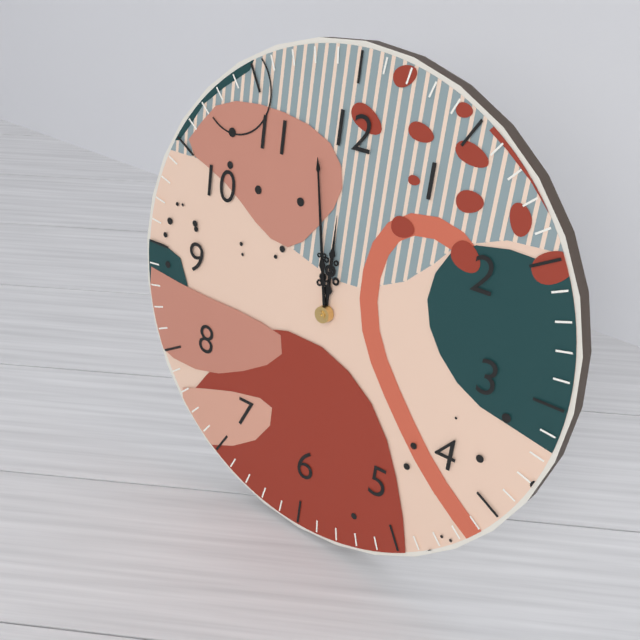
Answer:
h=11 m=58
